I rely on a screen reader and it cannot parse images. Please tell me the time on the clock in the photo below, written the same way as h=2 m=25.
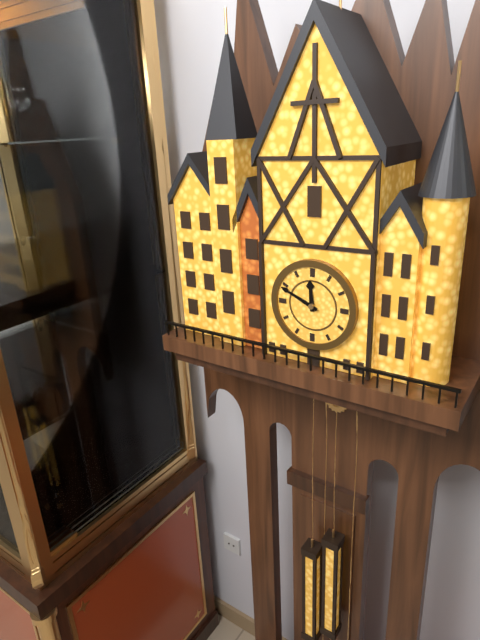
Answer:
h=11 m=49
